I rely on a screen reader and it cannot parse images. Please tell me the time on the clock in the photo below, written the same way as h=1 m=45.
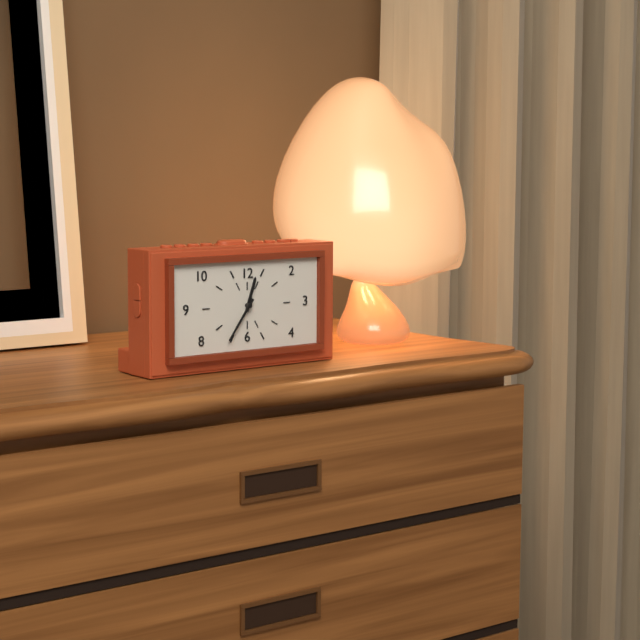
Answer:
h=12 m=36
